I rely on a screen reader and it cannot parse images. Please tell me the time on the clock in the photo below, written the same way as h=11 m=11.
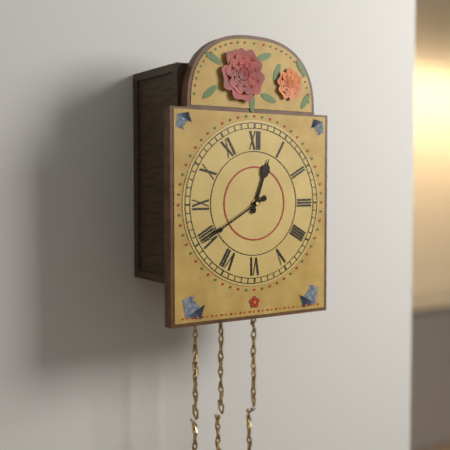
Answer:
h=12 m=40
